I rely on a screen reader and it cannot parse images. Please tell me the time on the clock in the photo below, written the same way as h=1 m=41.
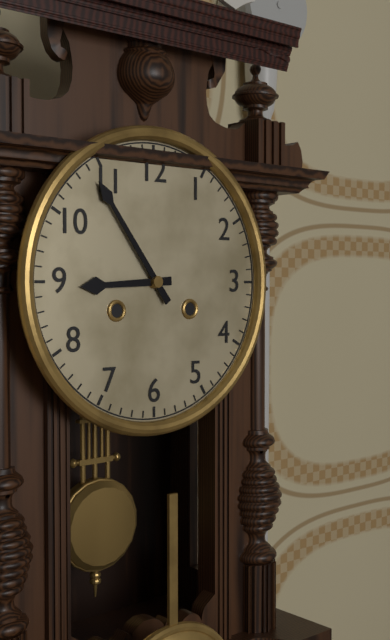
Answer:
h=8 m=54
